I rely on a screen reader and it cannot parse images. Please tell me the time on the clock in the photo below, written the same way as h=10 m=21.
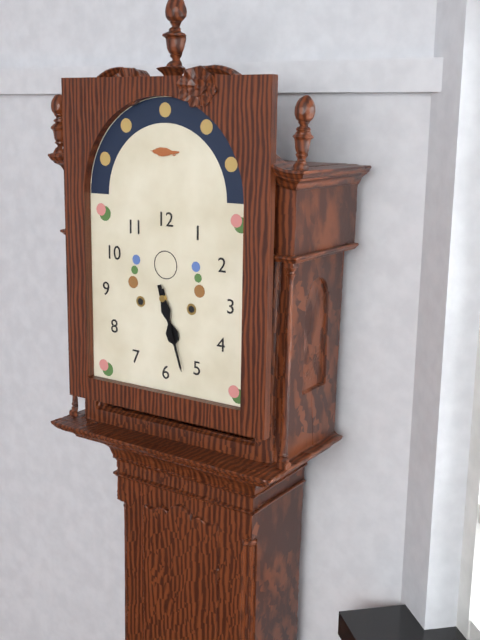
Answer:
h=5 m=27
